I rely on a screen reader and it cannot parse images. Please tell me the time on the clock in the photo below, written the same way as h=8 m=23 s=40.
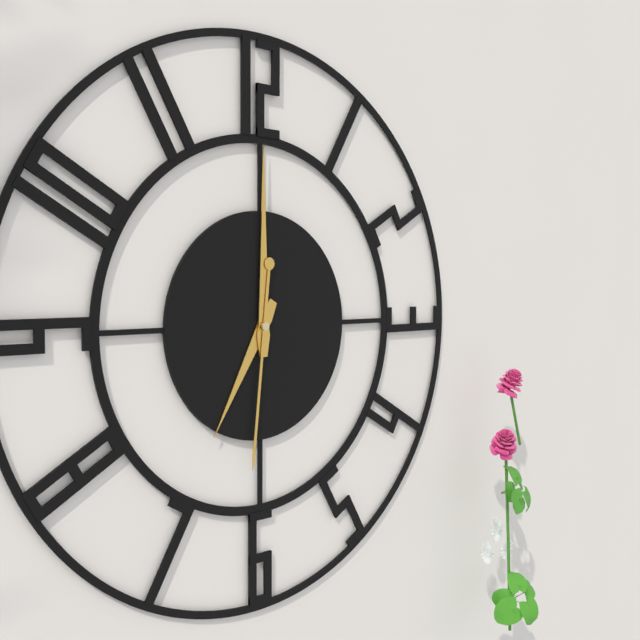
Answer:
h=7 m=0 s=31
